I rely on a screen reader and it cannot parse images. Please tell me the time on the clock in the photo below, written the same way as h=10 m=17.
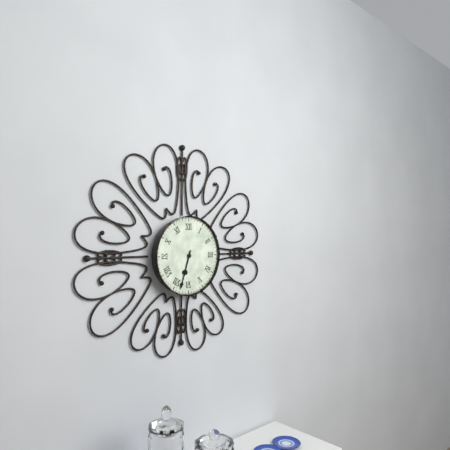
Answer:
h=6 m=33
